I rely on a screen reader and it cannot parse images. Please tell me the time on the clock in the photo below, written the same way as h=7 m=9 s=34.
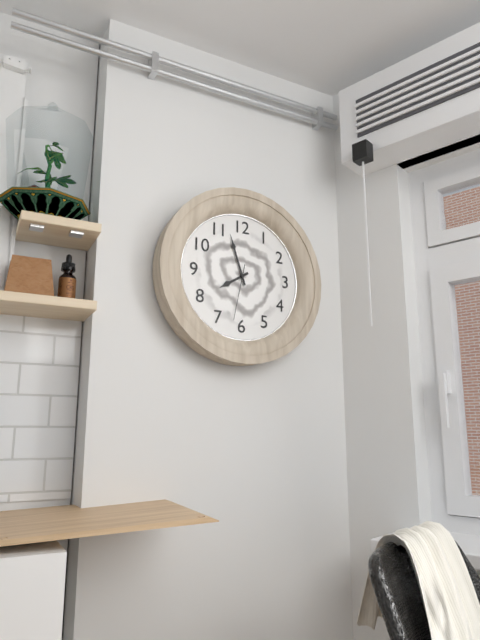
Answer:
h=7 m=57 s=32
